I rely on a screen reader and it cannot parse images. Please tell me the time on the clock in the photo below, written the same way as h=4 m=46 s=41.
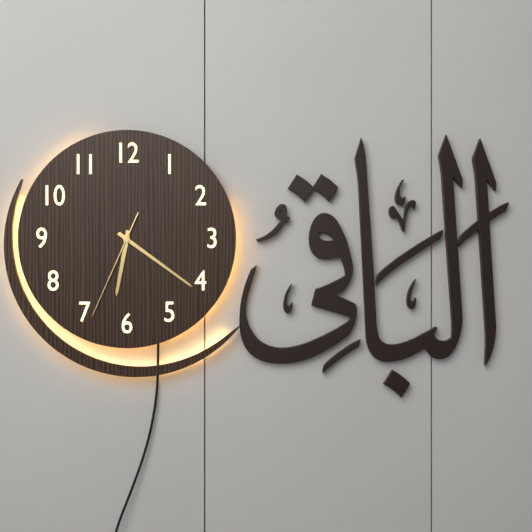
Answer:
h=6 m=21 s=34
